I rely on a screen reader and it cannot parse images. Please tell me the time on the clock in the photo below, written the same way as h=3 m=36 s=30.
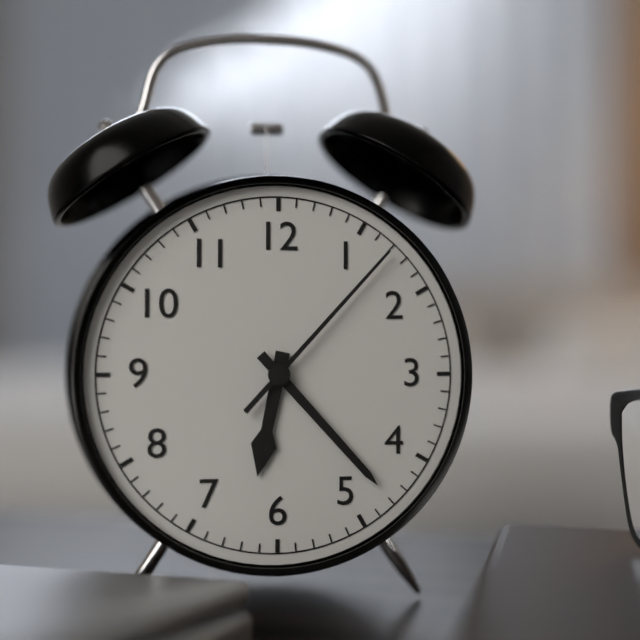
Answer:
h=6 m=23 s=7
